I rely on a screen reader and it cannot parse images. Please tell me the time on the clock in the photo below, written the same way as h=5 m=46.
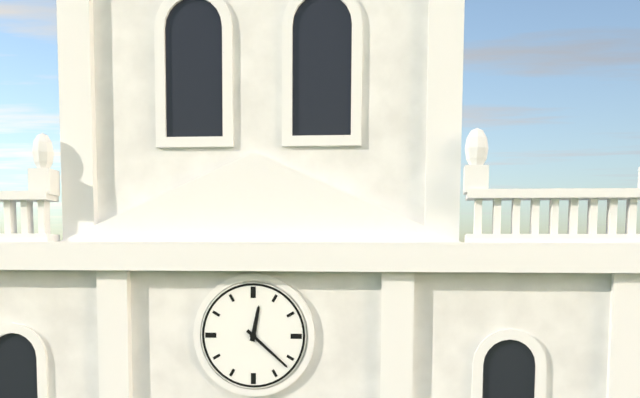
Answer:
h=12 m=22
